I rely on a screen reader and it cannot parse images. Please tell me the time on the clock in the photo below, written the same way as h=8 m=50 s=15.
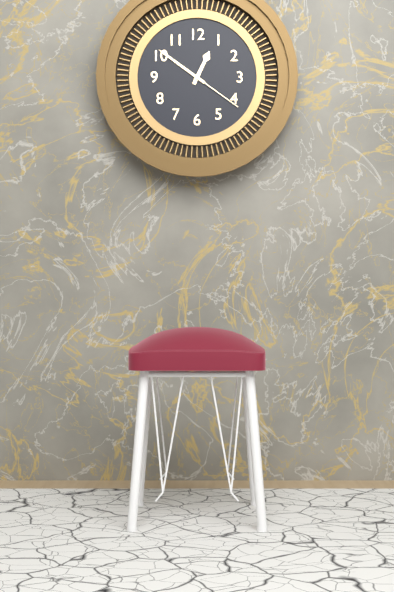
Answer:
h=12 m=51 s=21
